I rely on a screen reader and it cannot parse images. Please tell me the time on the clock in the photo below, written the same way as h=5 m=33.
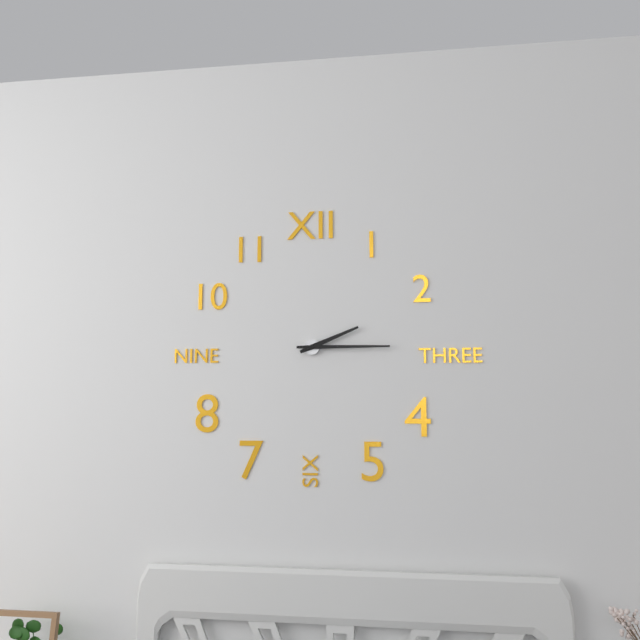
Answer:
h=2 m=15
